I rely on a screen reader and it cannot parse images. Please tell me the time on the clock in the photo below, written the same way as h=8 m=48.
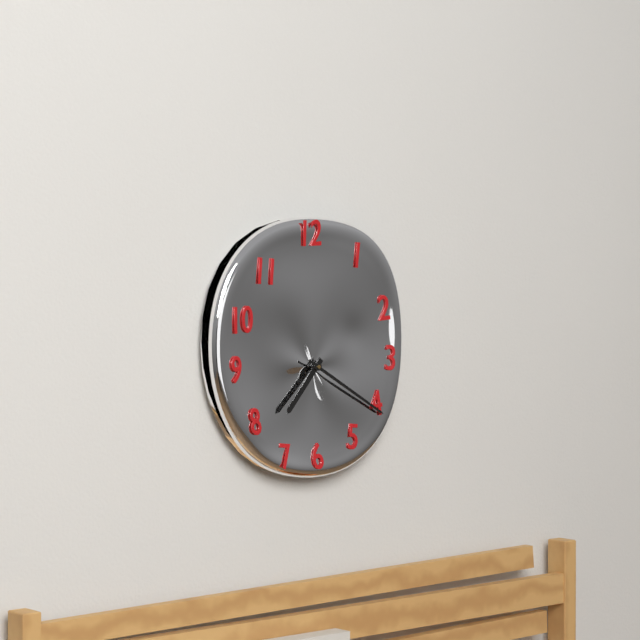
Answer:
h=7 m=20
